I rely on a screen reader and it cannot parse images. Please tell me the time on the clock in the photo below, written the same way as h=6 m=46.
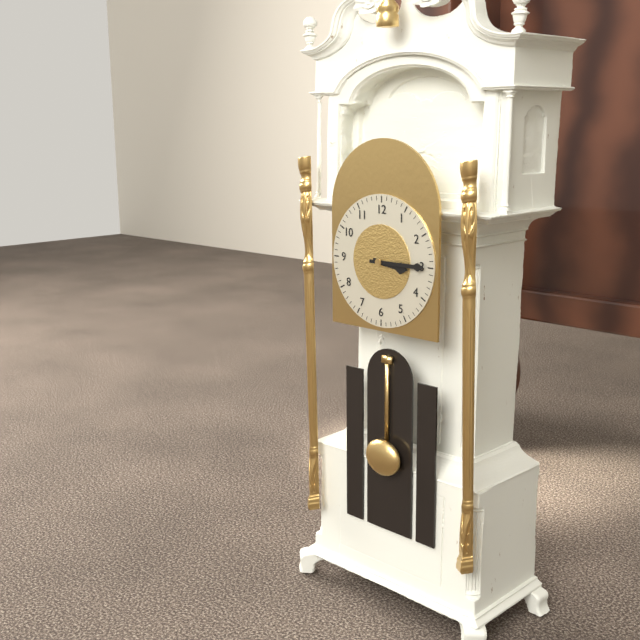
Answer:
h=3 m=15
